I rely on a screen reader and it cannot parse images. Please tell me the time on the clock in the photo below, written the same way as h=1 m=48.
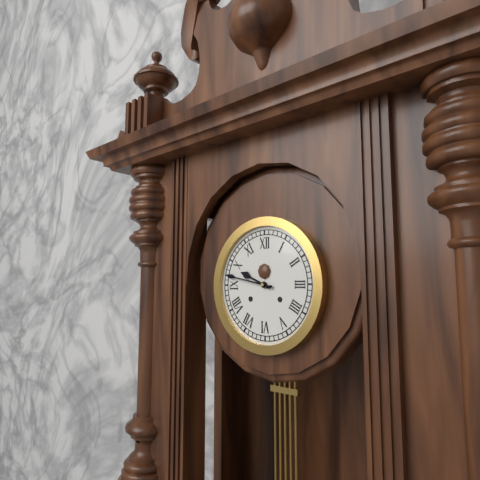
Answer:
h=9 m=47
